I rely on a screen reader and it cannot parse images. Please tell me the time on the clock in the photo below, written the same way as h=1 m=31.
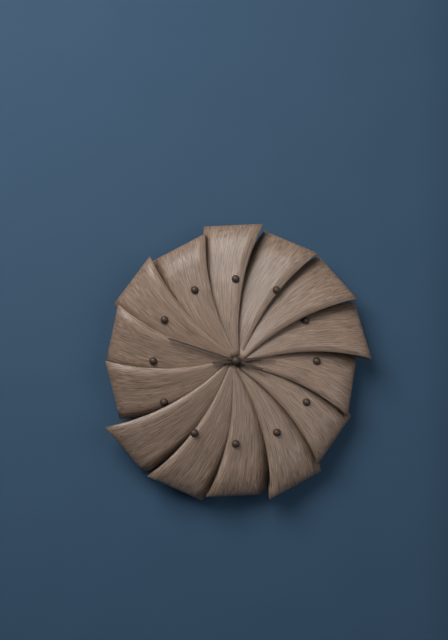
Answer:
h=2 m=48
